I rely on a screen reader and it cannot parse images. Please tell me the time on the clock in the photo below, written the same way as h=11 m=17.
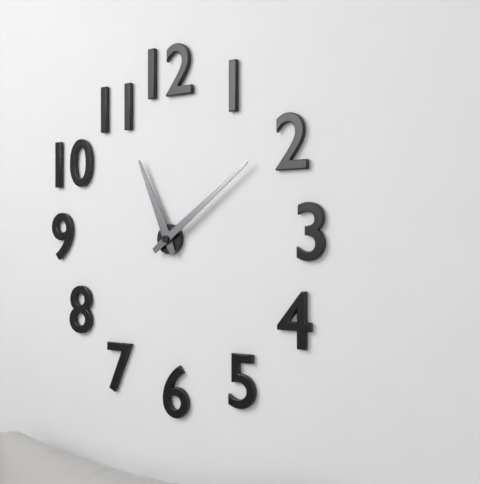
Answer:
h=11 m=9
